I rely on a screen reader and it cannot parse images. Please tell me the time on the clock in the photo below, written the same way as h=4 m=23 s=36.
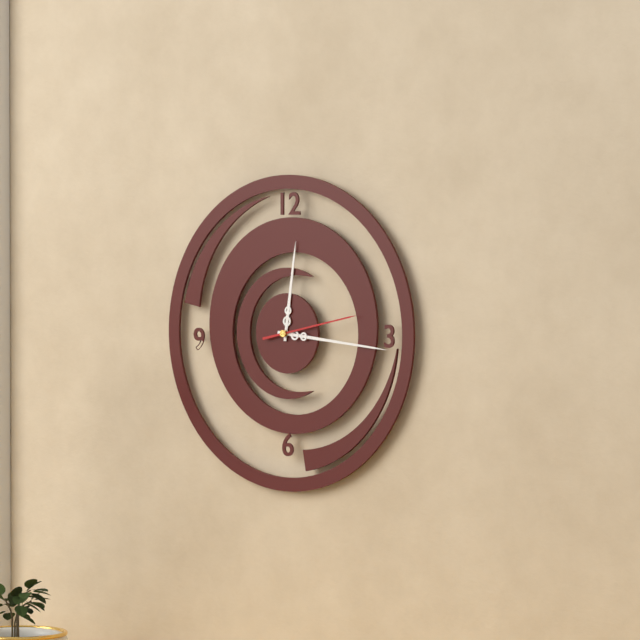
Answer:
h=12 m=16 s=13
